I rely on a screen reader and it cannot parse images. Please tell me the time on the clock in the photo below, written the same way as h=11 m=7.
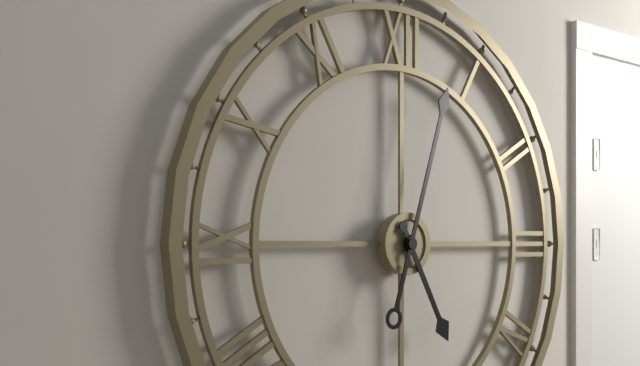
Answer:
h=5 m=3
